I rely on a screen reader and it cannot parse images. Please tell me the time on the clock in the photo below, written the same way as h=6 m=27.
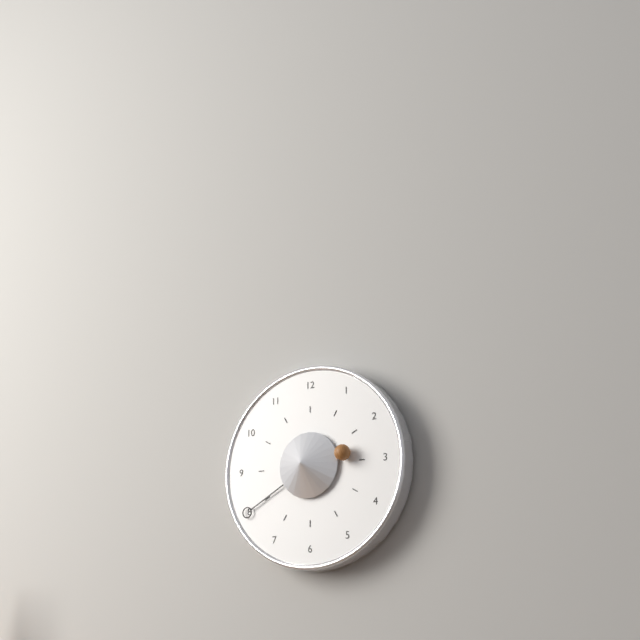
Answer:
h=2 m=40
